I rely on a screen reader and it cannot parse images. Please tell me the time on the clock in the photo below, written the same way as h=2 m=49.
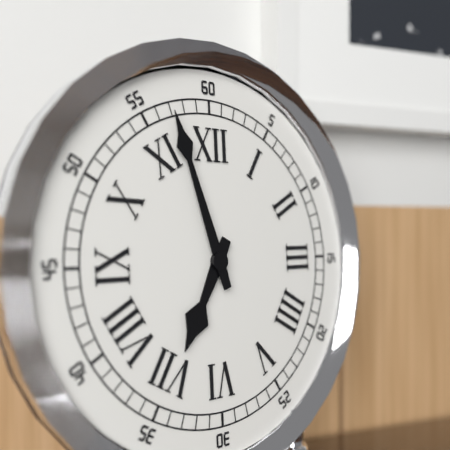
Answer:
h=6 m=57
